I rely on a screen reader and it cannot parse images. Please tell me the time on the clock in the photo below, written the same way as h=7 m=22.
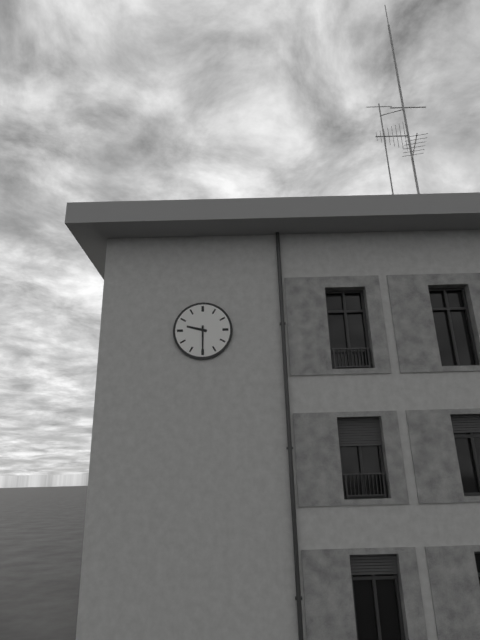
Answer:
h=9 m=30
